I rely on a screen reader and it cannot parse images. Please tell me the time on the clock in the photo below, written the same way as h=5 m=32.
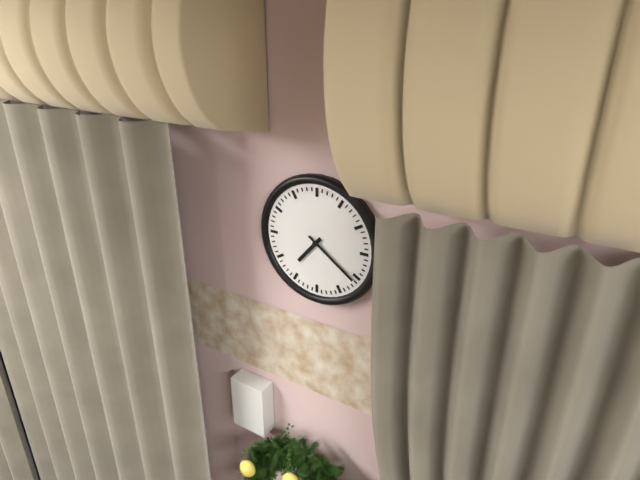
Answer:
h=7 m=21
